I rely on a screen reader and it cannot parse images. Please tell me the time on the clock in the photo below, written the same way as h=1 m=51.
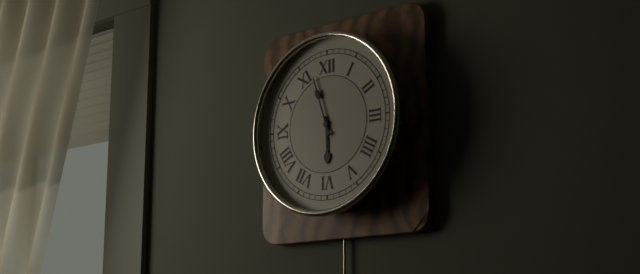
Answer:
h=5 m=57
